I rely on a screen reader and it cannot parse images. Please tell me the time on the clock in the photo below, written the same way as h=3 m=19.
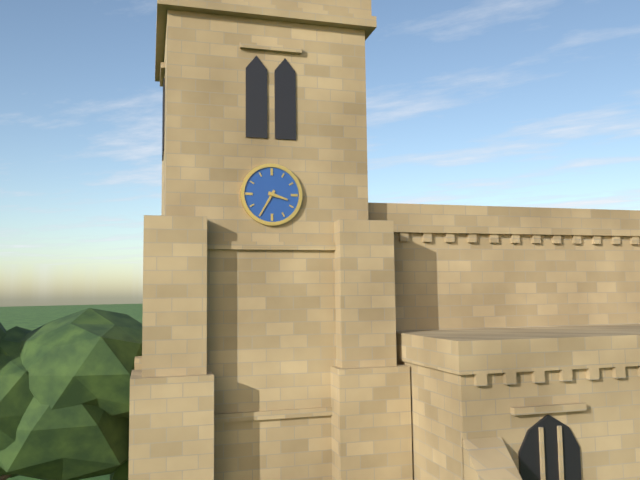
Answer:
h=3 m=35
